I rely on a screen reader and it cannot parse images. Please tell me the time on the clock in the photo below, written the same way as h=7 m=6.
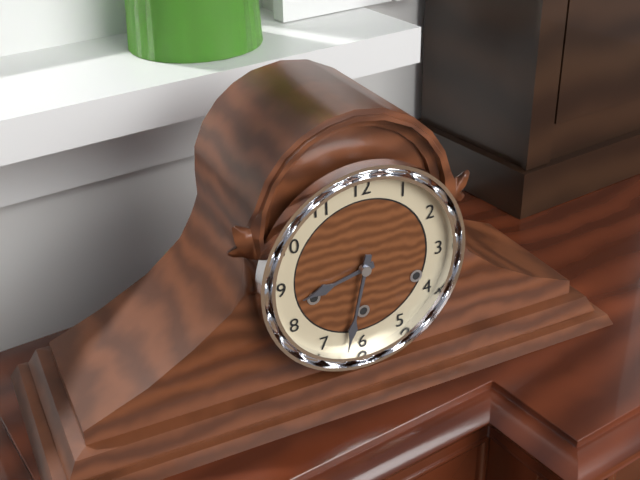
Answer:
h=8 m=32
